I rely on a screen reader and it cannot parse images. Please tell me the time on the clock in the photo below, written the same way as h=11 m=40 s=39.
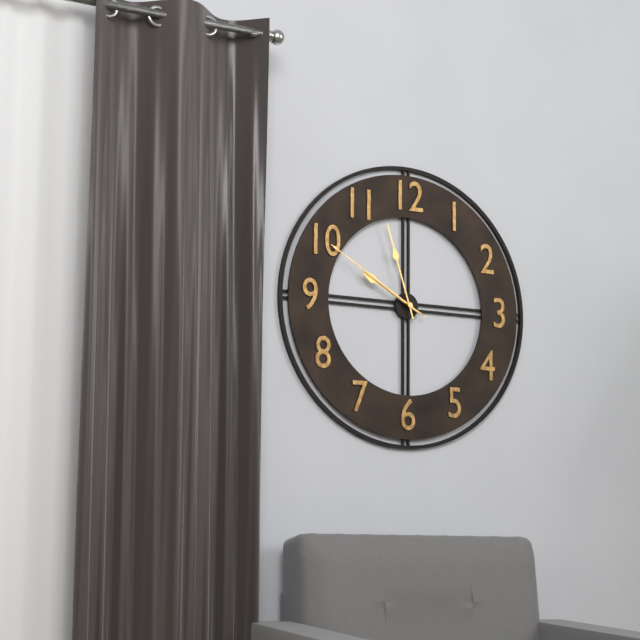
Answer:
h=9 m=57 s=50
